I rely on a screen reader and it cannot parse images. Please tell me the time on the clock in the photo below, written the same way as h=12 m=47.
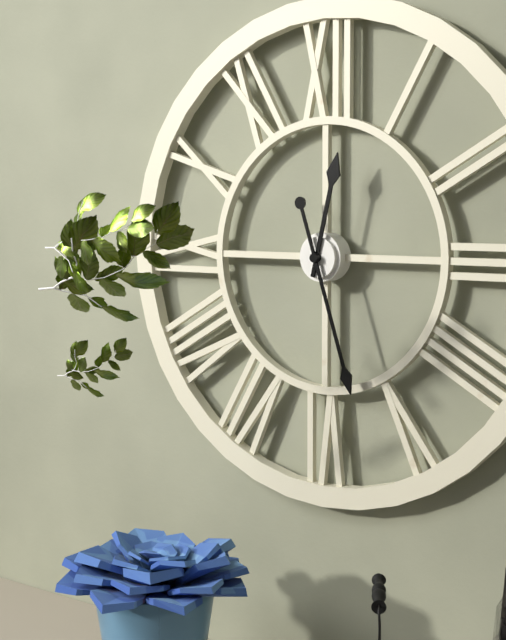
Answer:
h=12 m=27
